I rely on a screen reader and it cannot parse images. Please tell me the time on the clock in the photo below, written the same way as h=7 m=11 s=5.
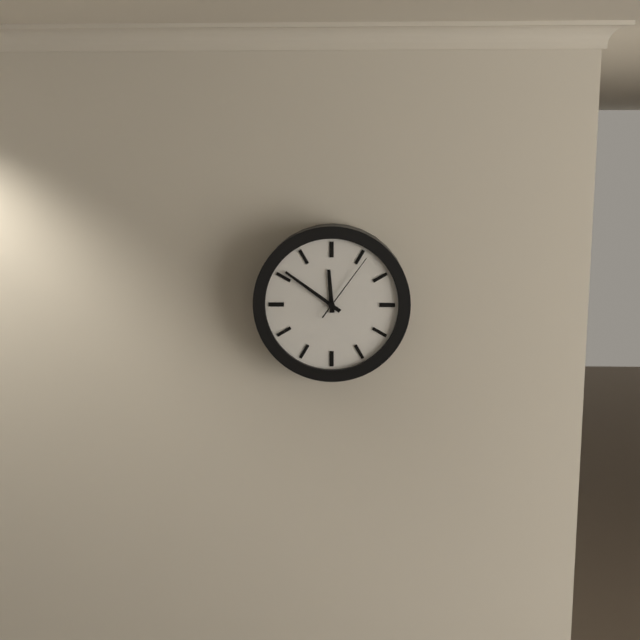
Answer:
h=11 m=51 s=6
